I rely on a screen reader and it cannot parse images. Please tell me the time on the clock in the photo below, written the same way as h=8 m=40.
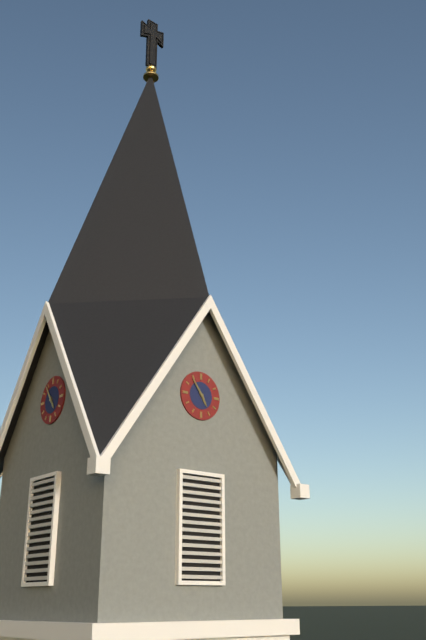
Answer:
h=4 m=54
